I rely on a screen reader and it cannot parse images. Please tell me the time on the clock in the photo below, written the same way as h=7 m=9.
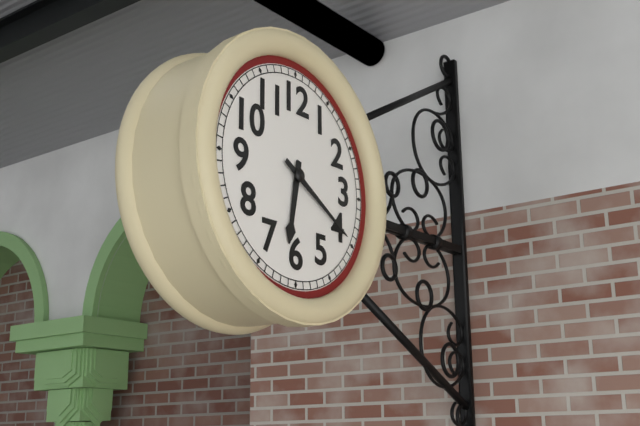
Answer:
h=6 m=20
